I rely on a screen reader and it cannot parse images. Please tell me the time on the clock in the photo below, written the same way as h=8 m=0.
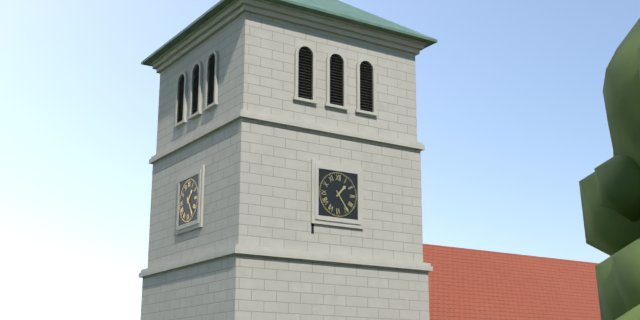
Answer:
h=1 m=24
